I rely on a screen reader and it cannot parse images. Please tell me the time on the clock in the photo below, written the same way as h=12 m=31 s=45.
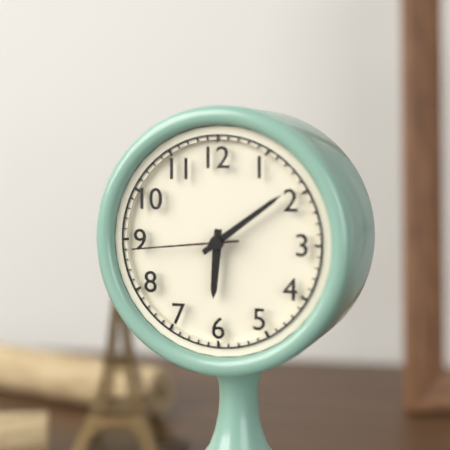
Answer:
h=6 m=9 s=44
